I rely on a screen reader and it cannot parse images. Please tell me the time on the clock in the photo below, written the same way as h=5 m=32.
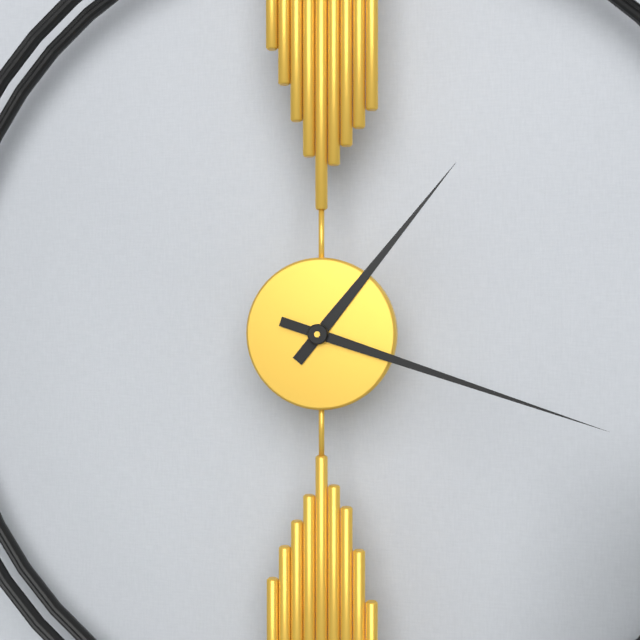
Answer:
h=1 m=18
